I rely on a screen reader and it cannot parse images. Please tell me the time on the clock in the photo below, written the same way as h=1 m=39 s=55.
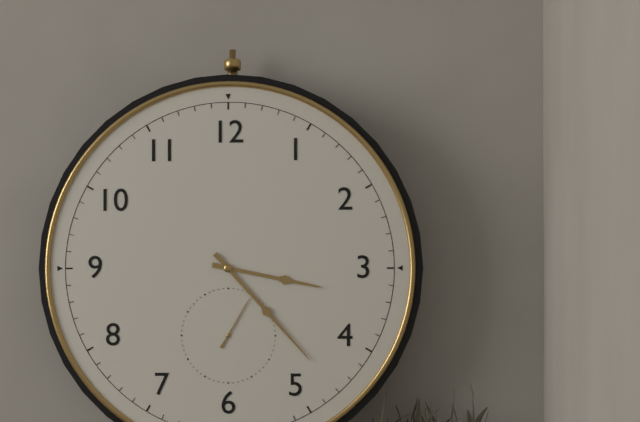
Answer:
h=3 m=23 s=5
